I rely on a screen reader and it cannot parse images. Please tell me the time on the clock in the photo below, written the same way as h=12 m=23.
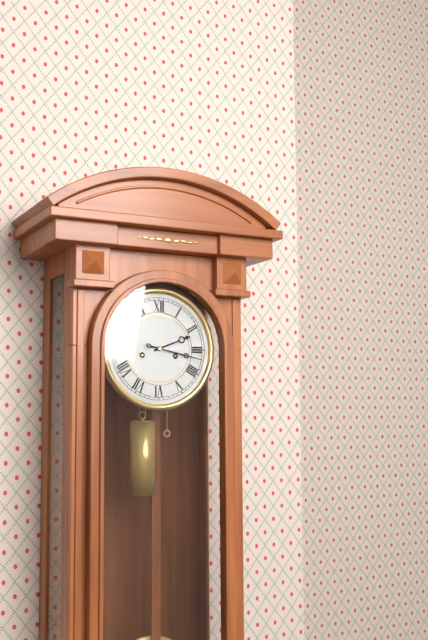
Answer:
h=2 m=17
